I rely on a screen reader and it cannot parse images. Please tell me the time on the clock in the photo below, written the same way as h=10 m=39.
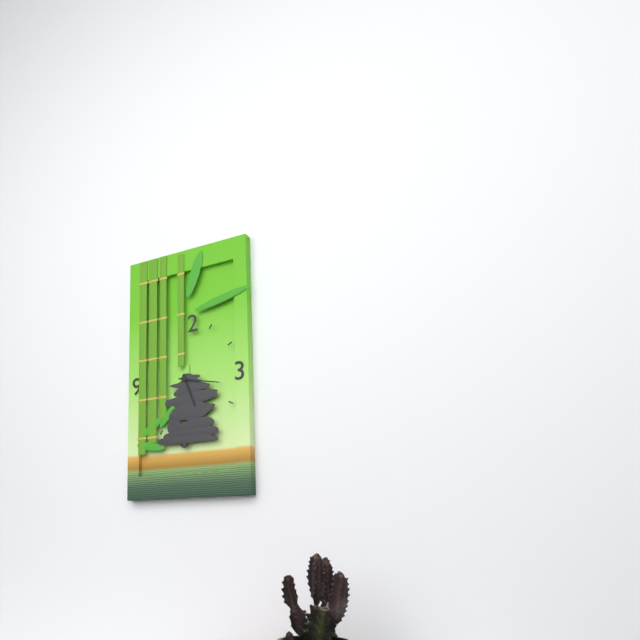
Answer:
h=5 m=17
